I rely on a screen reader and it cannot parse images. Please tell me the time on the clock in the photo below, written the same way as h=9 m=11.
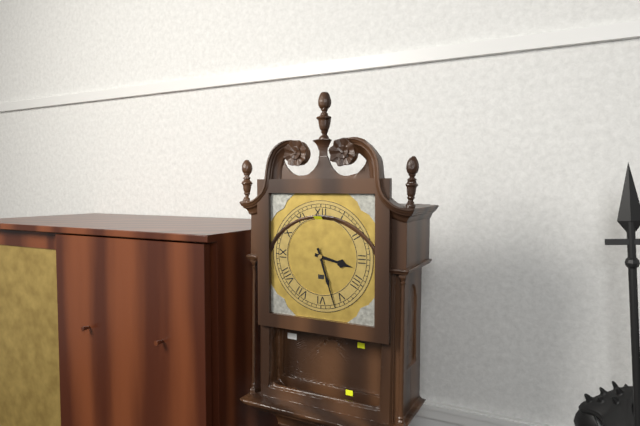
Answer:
h=3 m=27
